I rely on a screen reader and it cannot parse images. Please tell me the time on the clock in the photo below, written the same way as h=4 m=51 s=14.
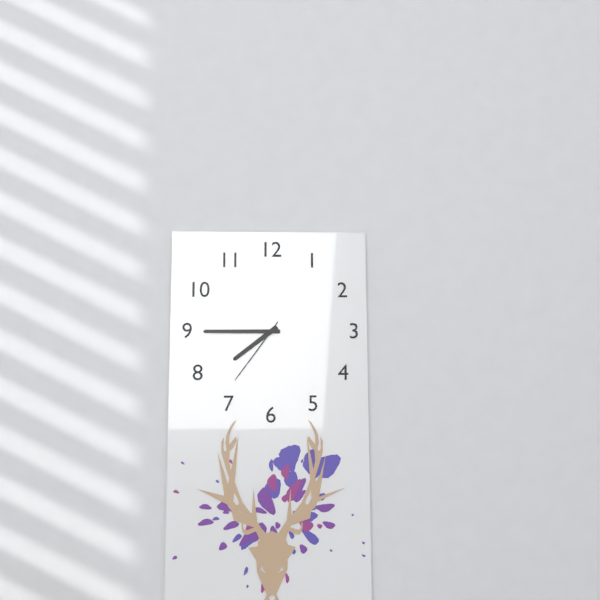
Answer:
h=7 m=45 s=36
